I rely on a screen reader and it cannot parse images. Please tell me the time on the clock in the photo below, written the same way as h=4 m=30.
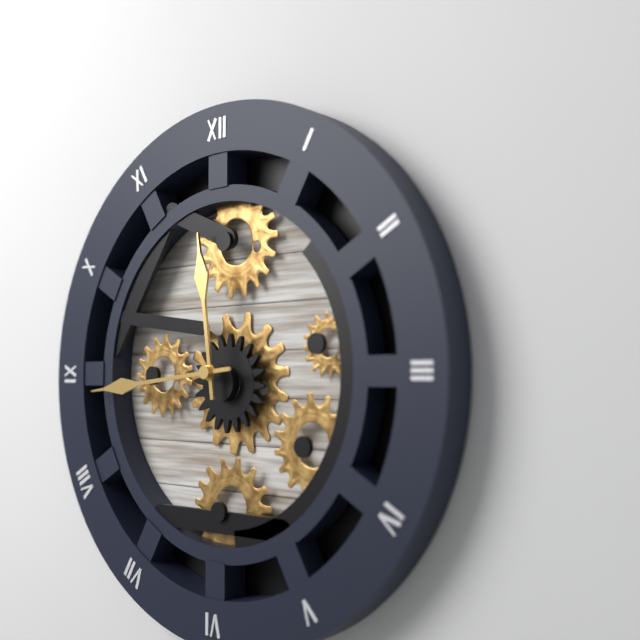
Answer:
h=11 m=44
